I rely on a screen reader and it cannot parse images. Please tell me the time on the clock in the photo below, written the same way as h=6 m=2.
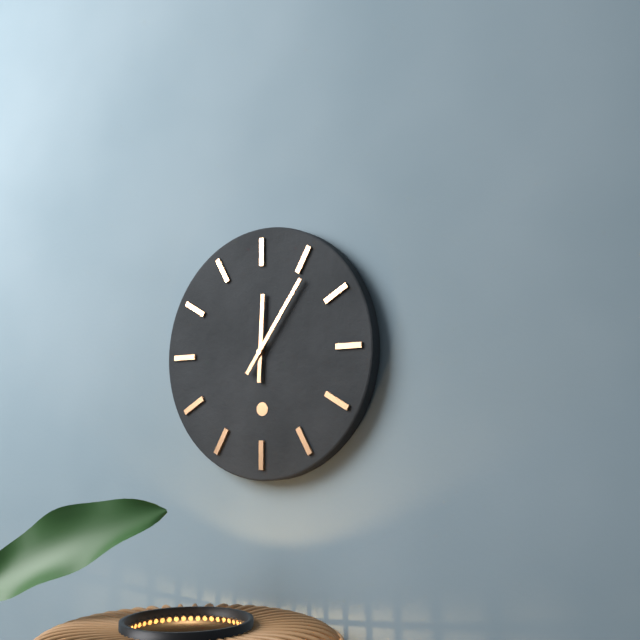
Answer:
h=12 m=6
